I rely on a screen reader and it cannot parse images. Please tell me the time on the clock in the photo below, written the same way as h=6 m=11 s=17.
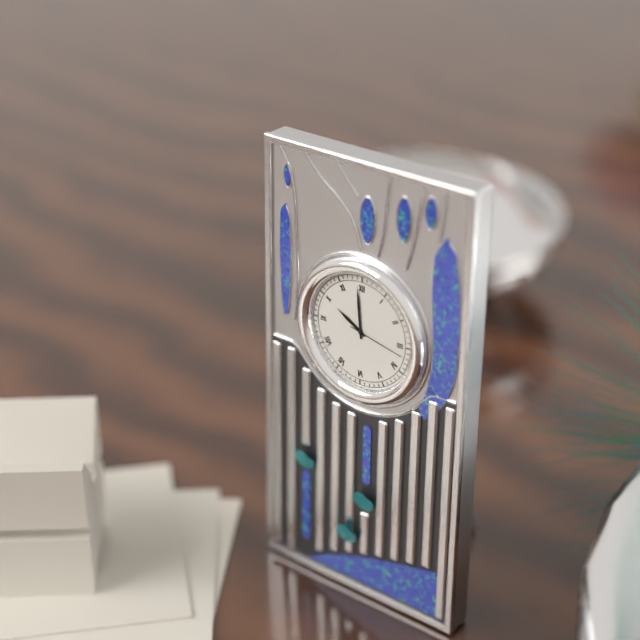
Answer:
h=9 m=59 s=17
